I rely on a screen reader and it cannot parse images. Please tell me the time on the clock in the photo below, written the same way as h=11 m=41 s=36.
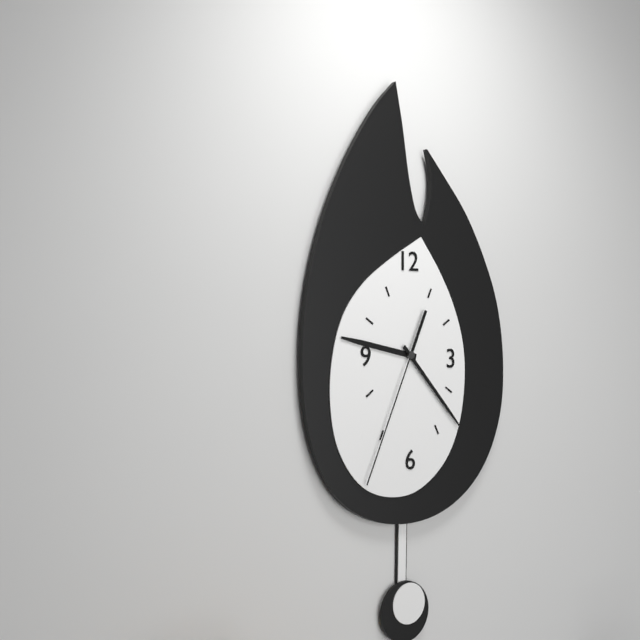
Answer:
h=9 m=23 s=34
